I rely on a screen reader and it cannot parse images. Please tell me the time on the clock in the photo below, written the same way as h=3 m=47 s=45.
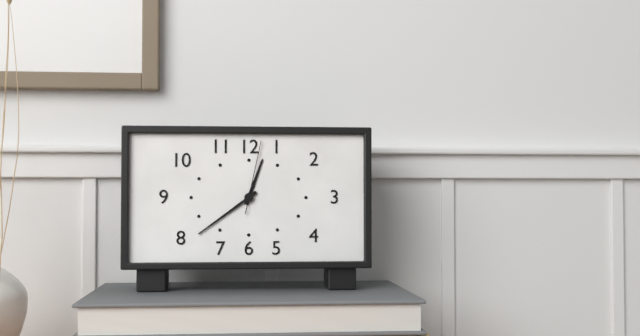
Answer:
h=12 m=39 s=2
